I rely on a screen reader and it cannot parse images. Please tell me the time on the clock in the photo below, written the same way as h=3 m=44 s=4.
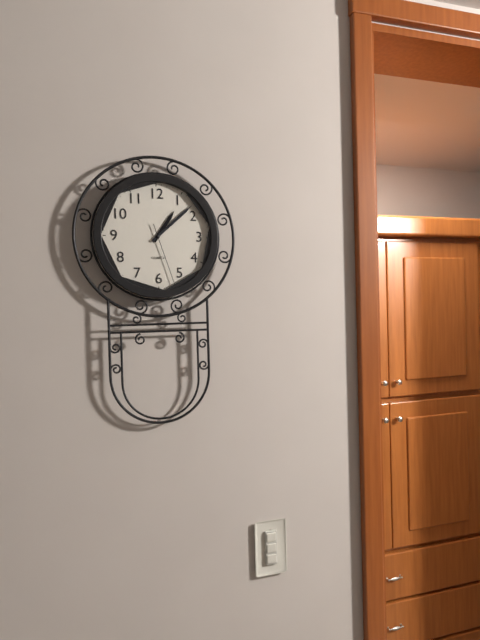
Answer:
h=1 m=8 s=27
